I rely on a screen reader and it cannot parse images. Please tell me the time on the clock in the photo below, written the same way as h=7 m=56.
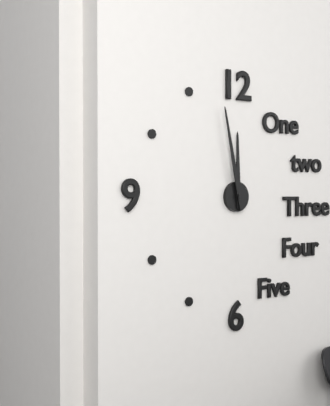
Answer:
h=11 m=58
